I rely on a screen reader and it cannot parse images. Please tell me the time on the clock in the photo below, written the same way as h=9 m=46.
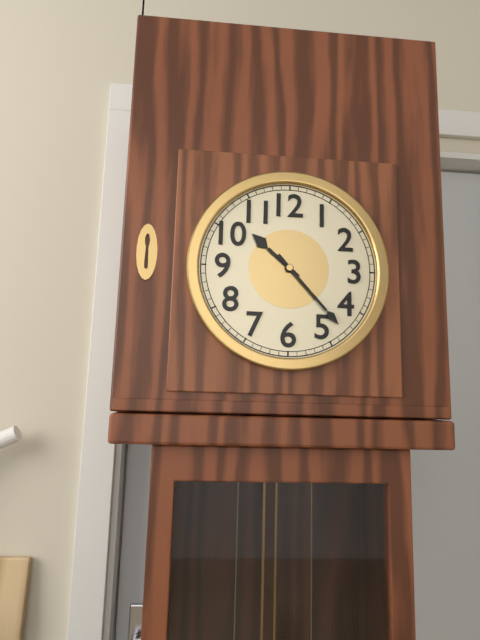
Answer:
h=10 m=23
